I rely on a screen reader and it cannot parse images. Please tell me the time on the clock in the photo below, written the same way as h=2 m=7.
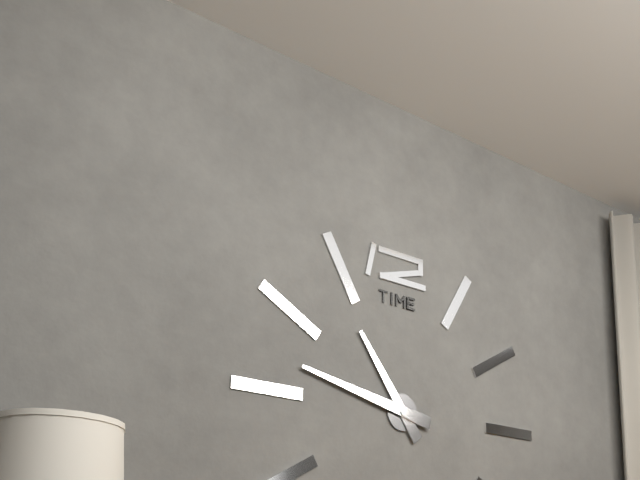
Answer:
h=10 m=47
